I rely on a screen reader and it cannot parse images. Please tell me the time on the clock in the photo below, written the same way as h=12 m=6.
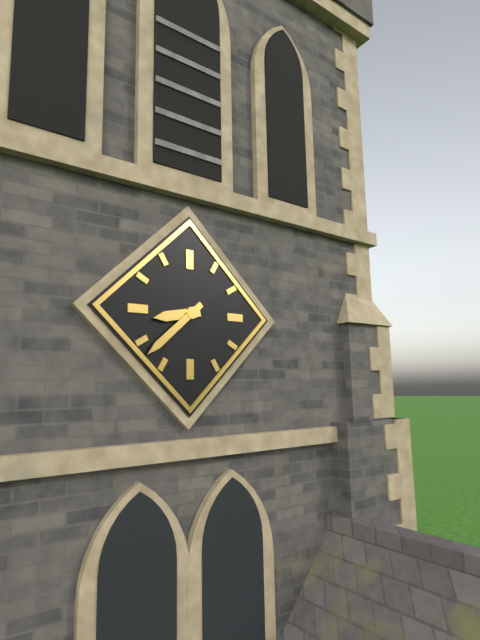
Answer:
h=8 m=38
